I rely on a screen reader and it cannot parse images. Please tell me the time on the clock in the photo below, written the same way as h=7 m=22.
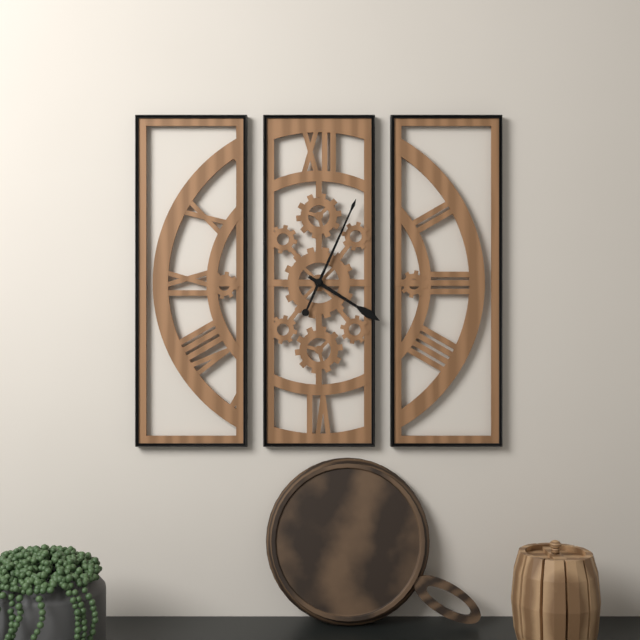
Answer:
h=4 m=4
